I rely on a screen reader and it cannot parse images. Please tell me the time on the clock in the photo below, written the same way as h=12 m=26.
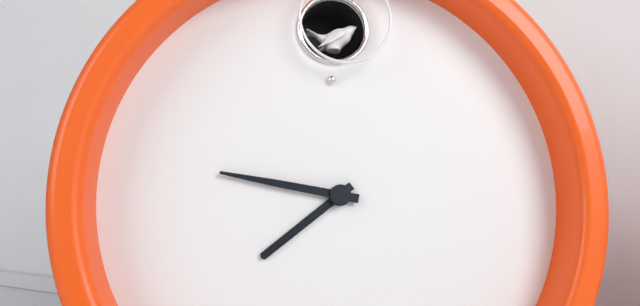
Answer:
h=7 m=47
